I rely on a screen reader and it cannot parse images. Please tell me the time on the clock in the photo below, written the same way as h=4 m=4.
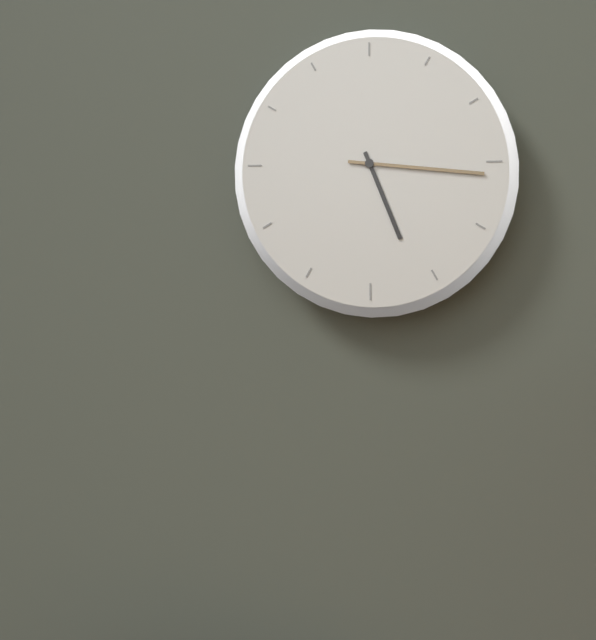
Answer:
h=5 m=16
